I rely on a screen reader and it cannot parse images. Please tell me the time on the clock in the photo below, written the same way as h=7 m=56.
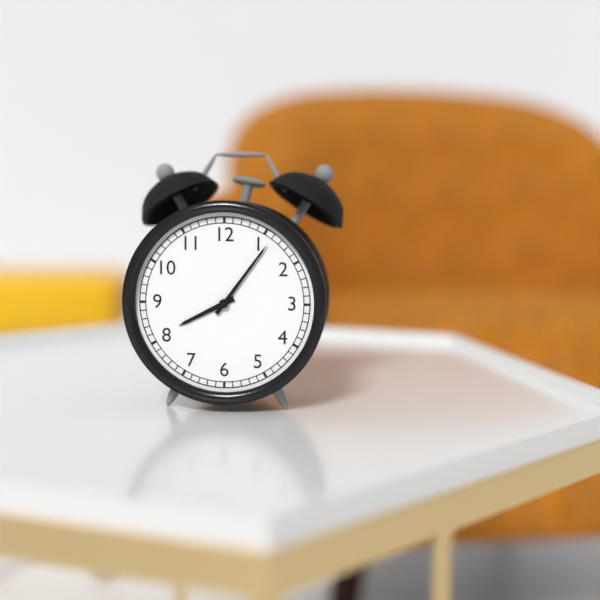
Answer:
h=8 m=6
